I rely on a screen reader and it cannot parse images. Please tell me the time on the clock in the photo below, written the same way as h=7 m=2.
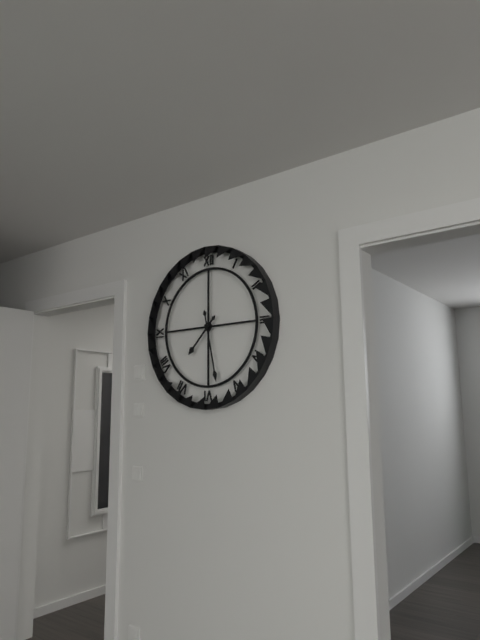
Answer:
h=7 m=28
